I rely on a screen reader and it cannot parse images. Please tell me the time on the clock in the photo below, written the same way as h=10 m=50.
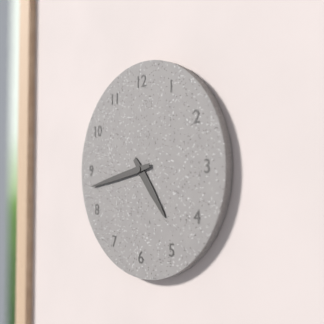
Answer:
h=4 m=43
